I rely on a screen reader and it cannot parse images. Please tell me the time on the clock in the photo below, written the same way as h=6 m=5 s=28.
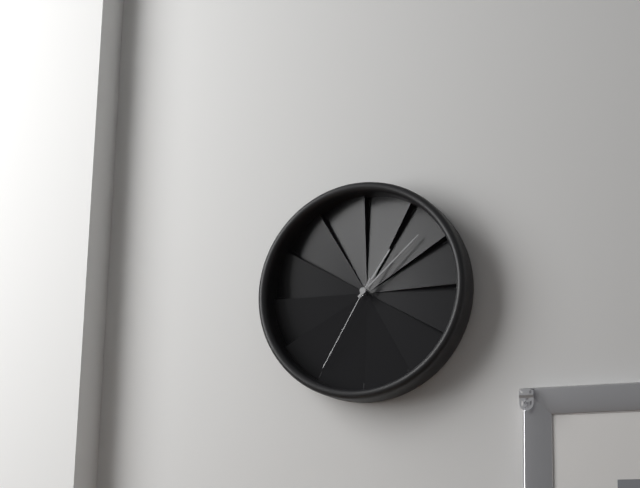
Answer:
h=1 m=8 s=35
